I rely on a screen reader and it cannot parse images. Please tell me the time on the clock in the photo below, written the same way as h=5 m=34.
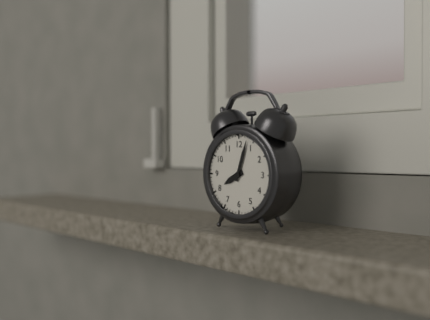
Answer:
h=8 m=3
